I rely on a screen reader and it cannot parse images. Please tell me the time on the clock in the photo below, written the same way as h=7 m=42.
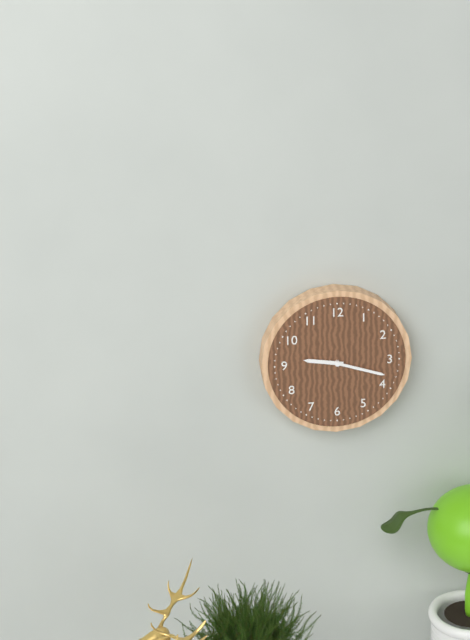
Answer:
h=9 m=18
